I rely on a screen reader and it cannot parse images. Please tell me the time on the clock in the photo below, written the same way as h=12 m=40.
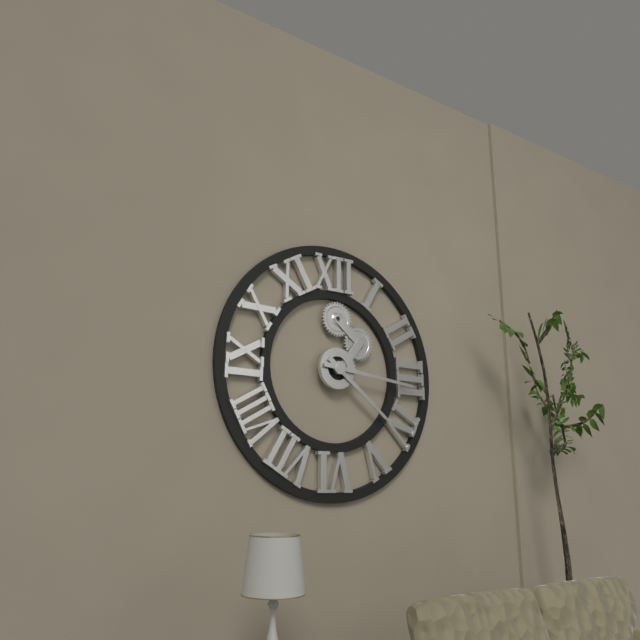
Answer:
h=4 m=16
